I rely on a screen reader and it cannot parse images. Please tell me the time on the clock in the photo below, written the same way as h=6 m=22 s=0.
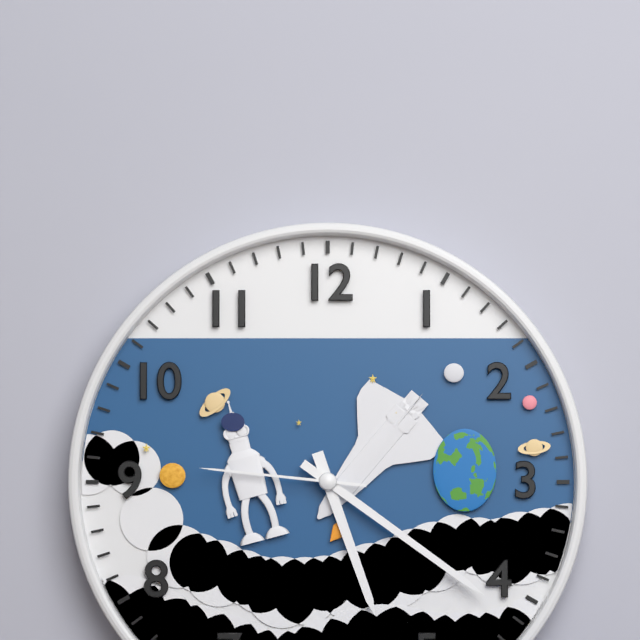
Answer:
h=5 m=21 s=46
